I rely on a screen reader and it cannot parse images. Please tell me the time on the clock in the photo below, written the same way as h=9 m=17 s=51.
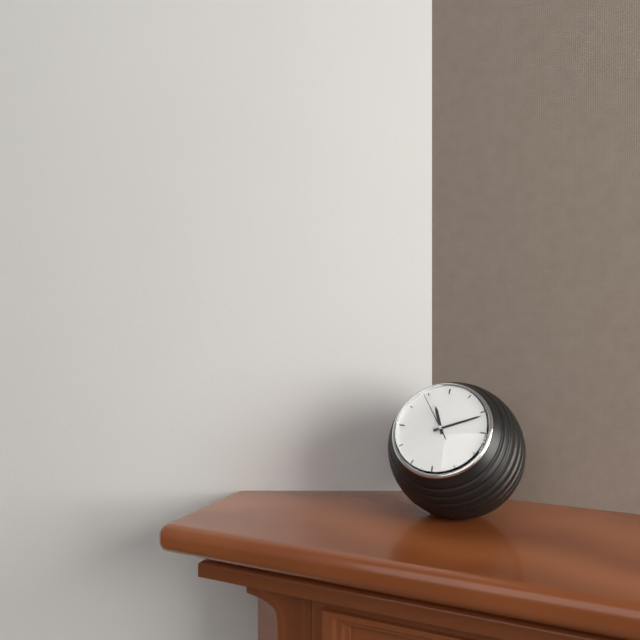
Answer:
h=11 m=11 s=54
